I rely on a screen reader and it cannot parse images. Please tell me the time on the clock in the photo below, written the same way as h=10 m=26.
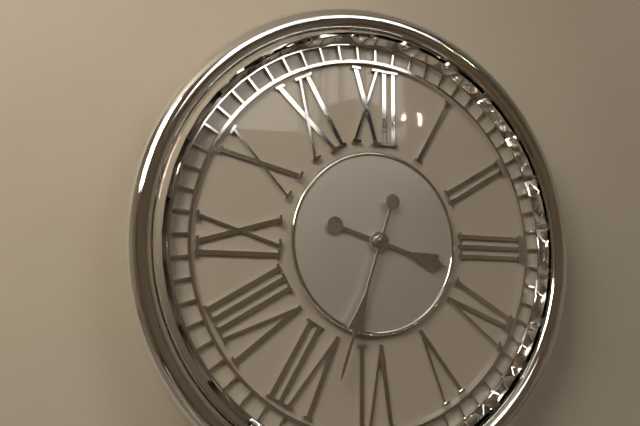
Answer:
h=3 m=33
